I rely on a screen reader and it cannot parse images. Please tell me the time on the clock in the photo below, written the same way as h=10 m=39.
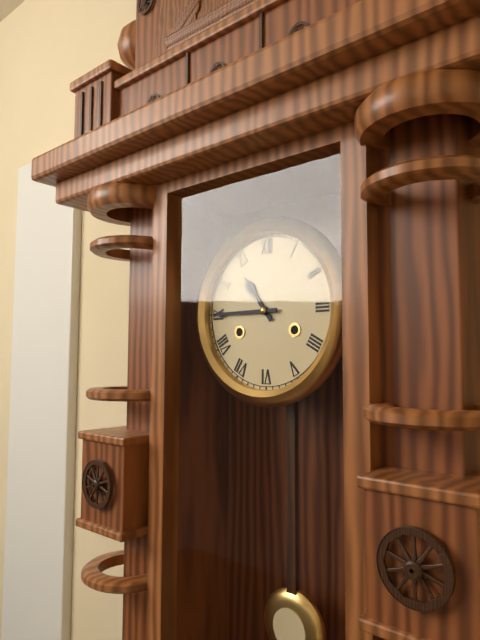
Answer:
h=10 m=45
